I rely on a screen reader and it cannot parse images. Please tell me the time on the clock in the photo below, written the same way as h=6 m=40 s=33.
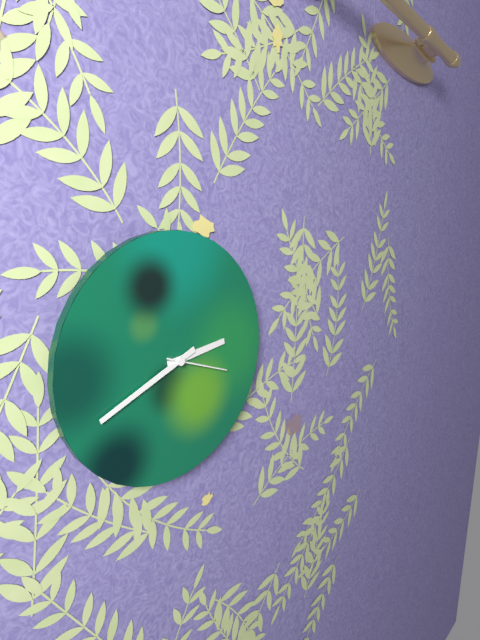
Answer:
h=2 m=41 s=18
